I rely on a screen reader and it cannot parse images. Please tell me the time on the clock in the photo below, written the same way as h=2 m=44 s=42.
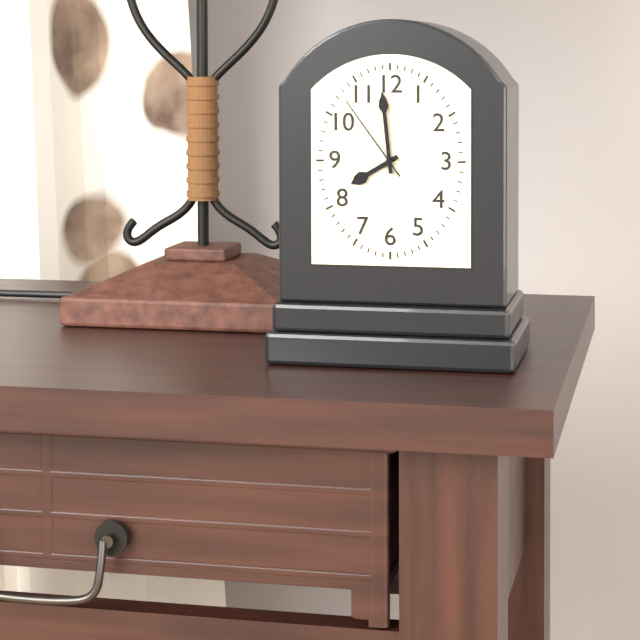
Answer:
h=7 m=59 s=54
